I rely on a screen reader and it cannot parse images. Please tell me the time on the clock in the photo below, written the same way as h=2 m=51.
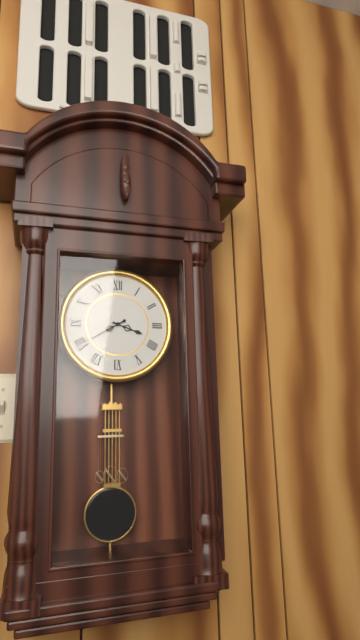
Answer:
h=3 m=40
